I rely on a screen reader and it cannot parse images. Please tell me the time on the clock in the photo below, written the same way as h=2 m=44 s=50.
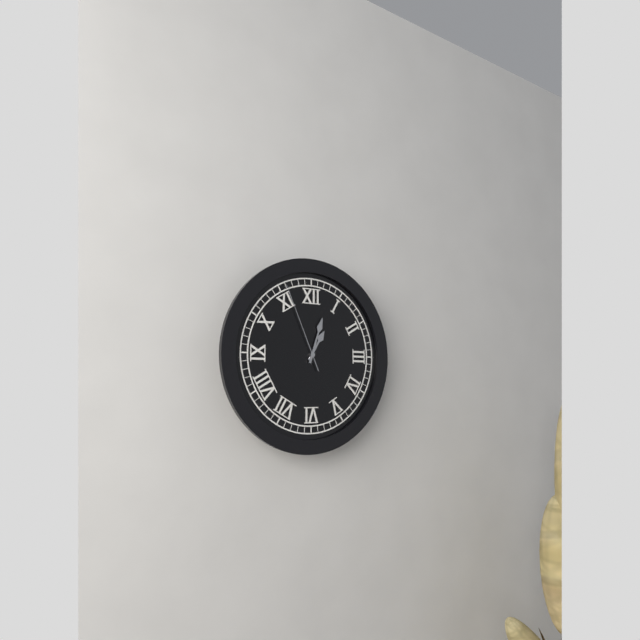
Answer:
h=1 m=3 s=56
